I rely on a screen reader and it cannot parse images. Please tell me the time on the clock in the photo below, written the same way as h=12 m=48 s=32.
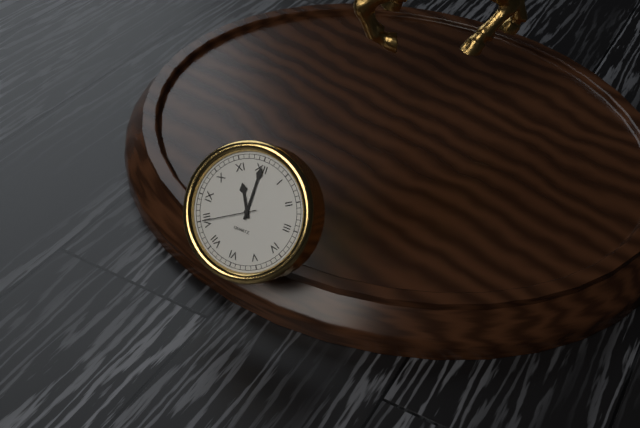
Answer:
h=11 m=0 s=40
